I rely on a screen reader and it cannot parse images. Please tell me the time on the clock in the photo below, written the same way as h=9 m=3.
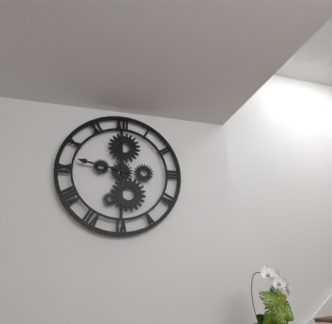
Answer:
h=11 m=47
